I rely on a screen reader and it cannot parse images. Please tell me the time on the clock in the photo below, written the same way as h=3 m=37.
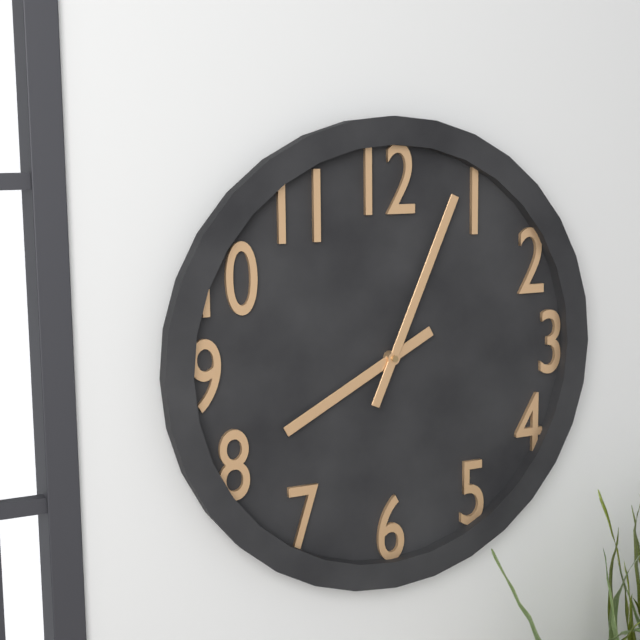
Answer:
h=8 m=4
